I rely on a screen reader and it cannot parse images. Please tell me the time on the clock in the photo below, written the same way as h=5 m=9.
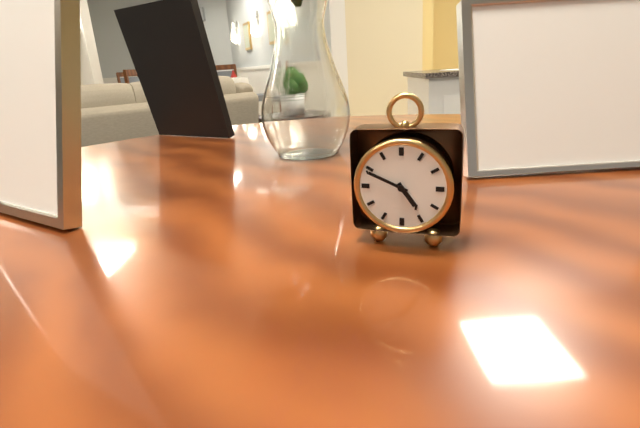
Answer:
h=4 m=49
